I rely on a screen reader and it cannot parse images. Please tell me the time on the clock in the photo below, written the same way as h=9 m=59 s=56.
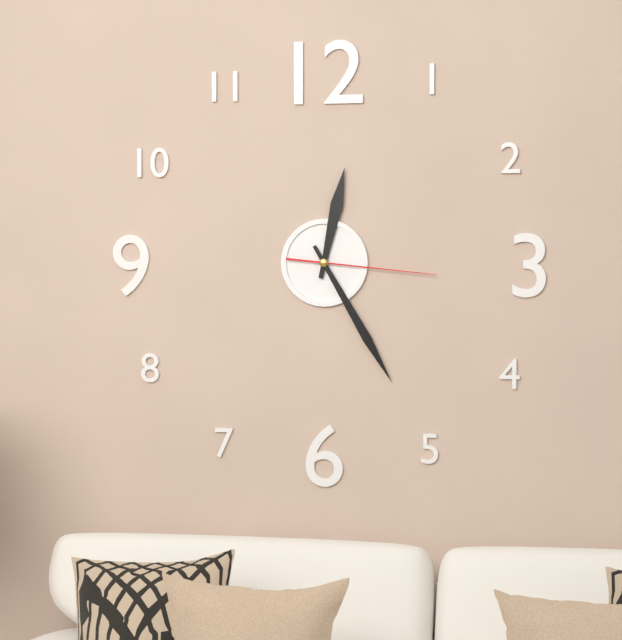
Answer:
h=12 m=25 s=16
